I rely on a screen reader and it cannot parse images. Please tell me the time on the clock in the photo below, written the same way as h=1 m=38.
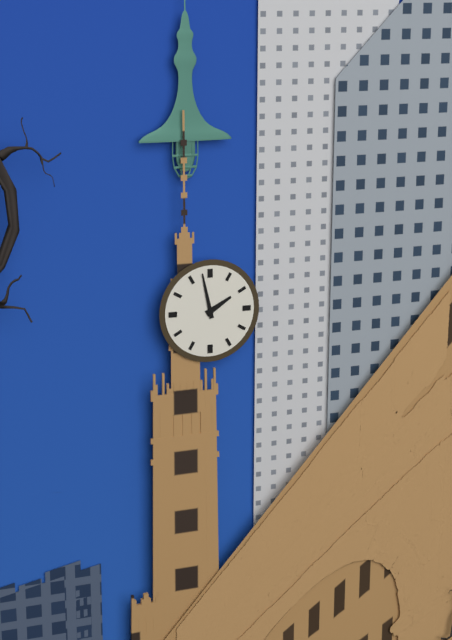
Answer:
h=1 m=58
